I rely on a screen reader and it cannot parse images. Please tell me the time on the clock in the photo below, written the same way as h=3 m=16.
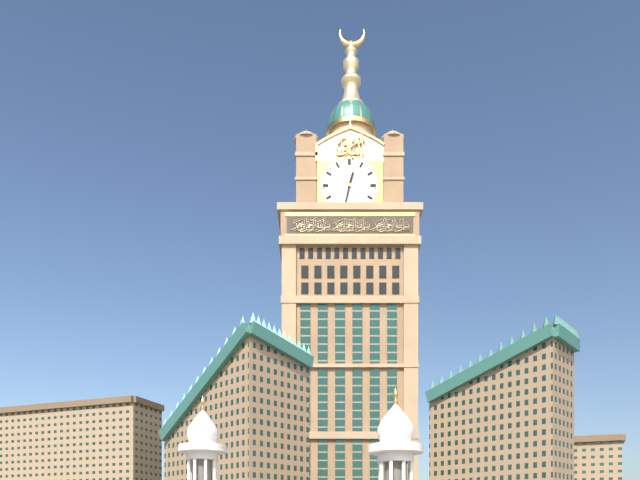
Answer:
h=12 m=32
